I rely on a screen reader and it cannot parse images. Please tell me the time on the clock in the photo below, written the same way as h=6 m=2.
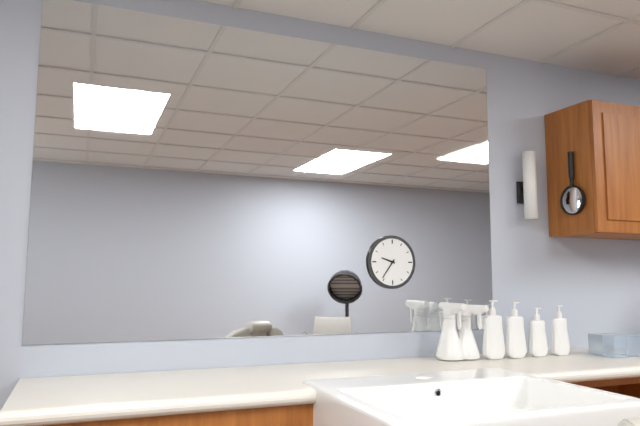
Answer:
h=9 m=36
